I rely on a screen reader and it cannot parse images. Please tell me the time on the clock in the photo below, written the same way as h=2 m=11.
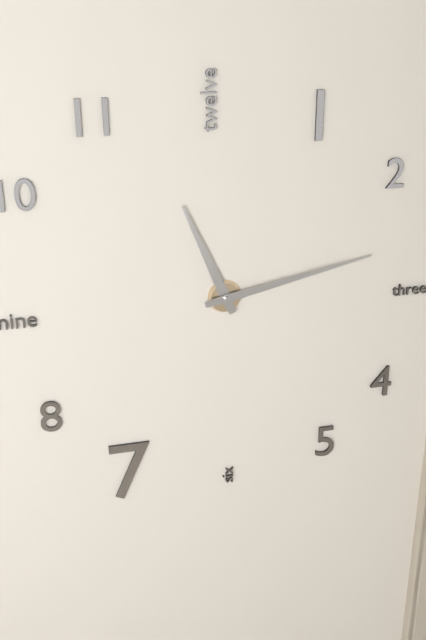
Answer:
h=11 m=13
